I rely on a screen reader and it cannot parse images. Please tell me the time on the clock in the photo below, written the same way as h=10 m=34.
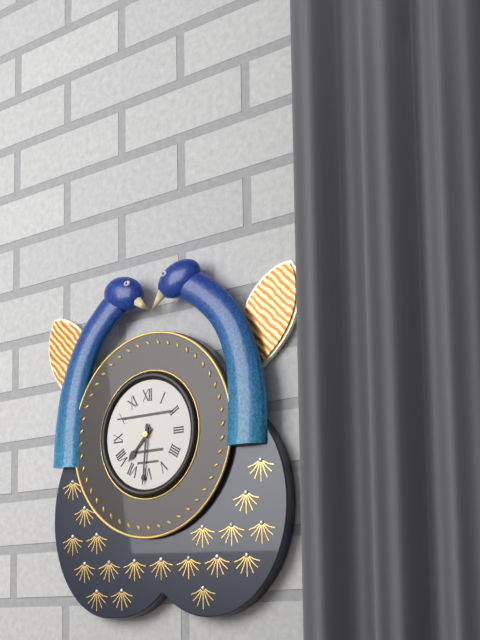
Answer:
h=7 m=31
